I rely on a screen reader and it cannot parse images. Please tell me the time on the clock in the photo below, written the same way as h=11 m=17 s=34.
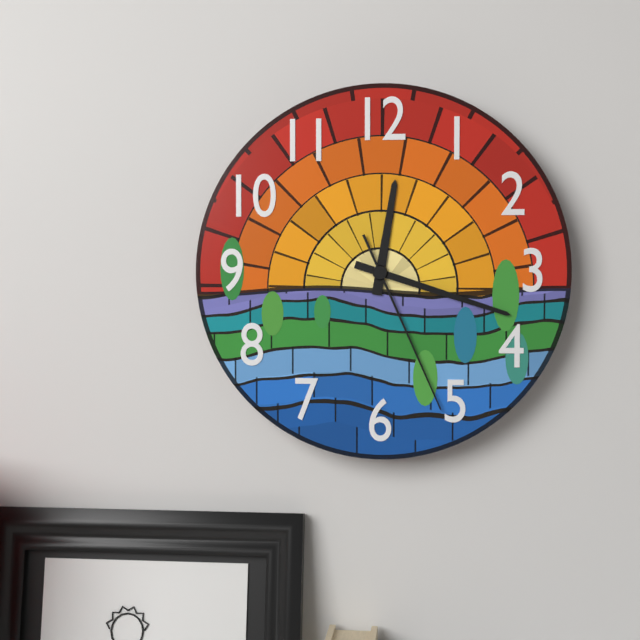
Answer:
h=12 m=18 s=26
